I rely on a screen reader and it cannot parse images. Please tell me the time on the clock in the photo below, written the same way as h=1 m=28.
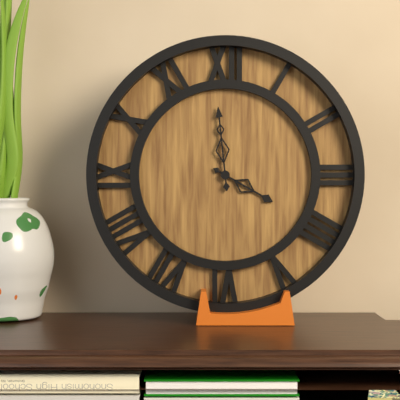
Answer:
h=3 m=59
